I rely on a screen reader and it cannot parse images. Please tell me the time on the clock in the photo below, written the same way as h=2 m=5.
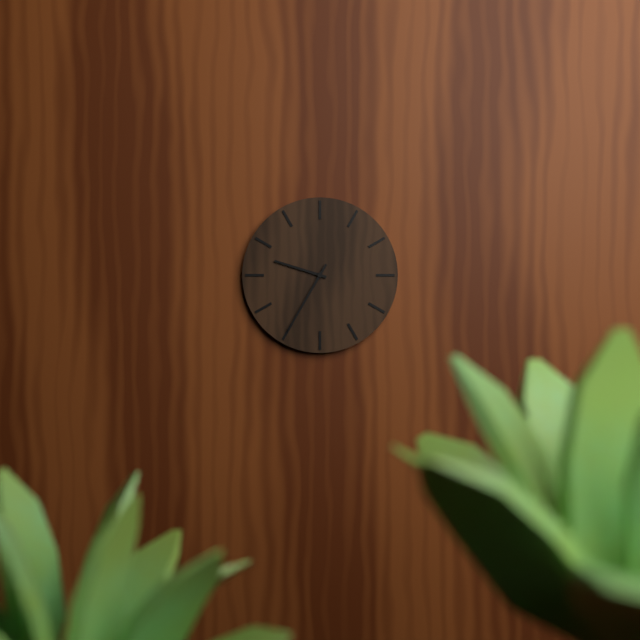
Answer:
h=9 m=35
